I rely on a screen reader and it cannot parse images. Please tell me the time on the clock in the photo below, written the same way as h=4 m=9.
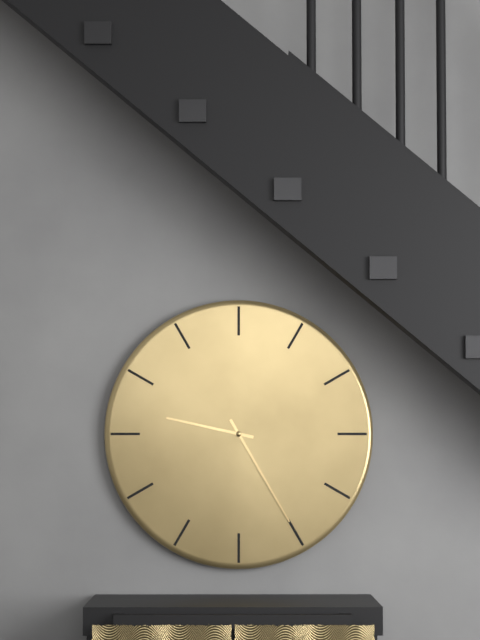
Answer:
h=9 m=25
